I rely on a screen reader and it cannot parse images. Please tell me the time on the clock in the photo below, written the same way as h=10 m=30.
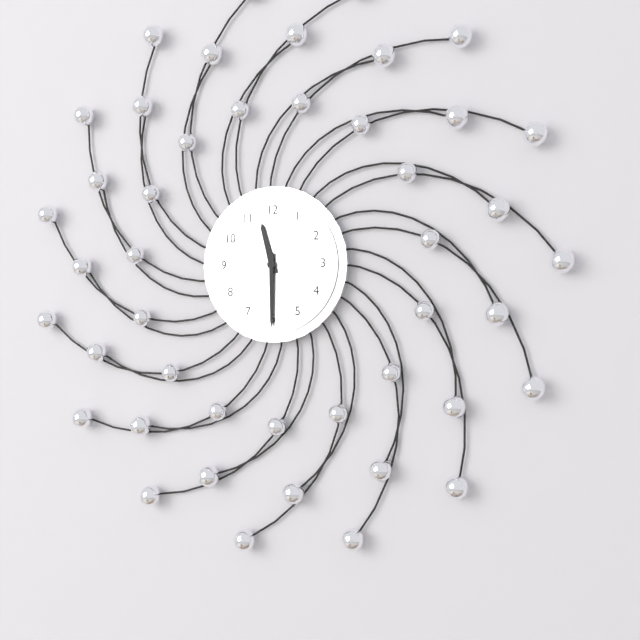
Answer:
h=11 m=30
